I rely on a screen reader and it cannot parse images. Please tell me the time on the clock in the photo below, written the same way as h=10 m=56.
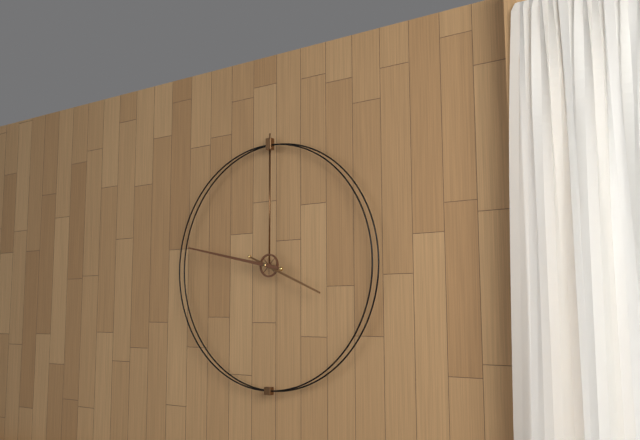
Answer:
h=3 m=47
